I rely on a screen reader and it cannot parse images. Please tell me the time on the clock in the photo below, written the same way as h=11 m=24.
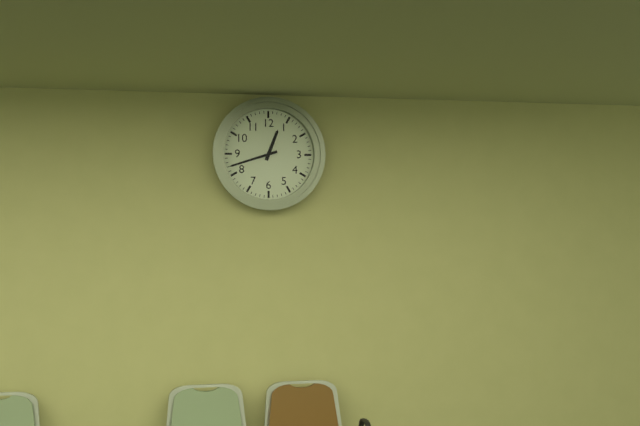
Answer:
h=12 m=42
